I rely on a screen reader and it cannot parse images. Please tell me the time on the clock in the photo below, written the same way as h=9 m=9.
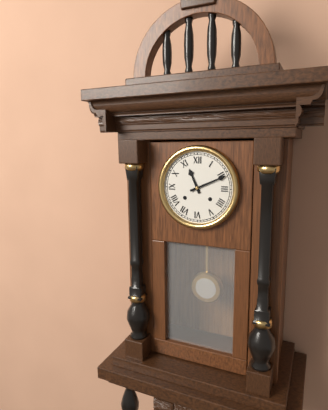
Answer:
h=11 m=11
